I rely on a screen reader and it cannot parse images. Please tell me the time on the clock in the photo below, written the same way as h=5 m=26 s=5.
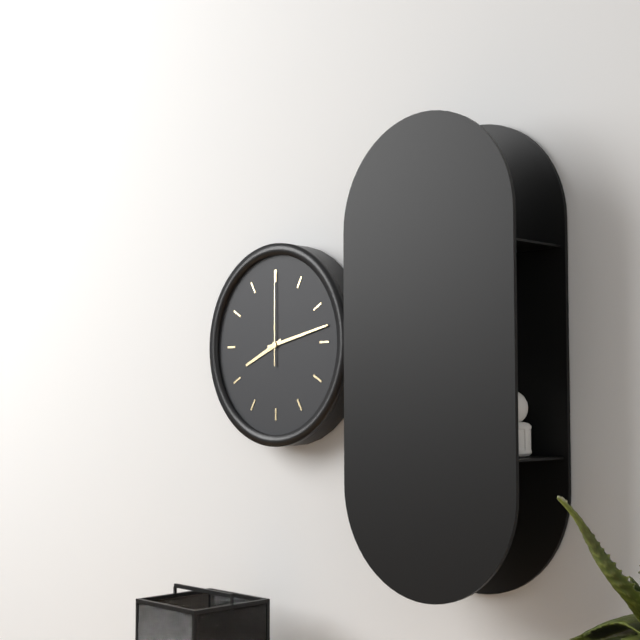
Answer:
h=8 m=13 s=0
